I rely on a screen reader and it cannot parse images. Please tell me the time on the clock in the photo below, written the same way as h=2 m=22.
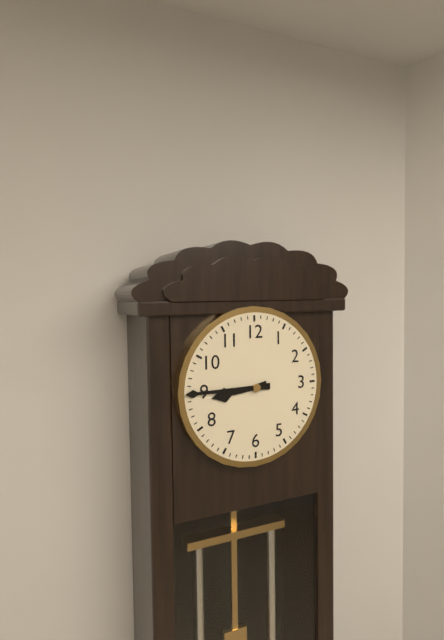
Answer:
h=8 m=45
